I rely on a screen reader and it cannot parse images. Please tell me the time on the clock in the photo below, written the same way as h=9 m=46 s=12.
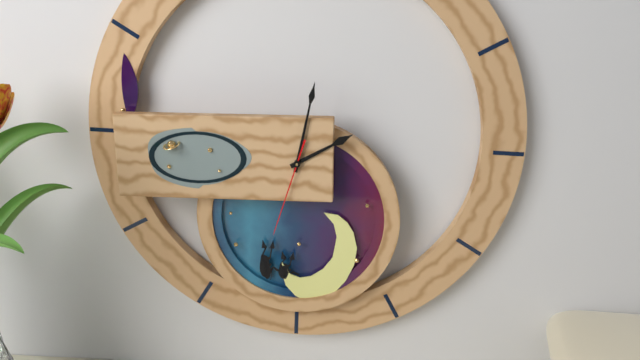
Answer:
h=2 m=2 s=33
